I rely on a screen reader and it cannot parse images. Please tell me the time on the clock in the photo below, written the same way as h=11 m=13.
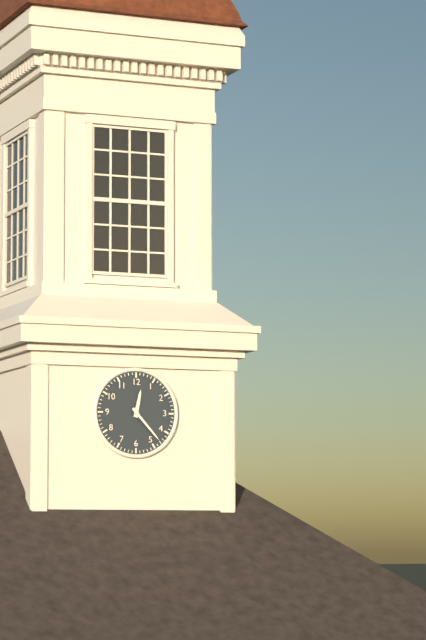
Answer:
h=12 m=23
